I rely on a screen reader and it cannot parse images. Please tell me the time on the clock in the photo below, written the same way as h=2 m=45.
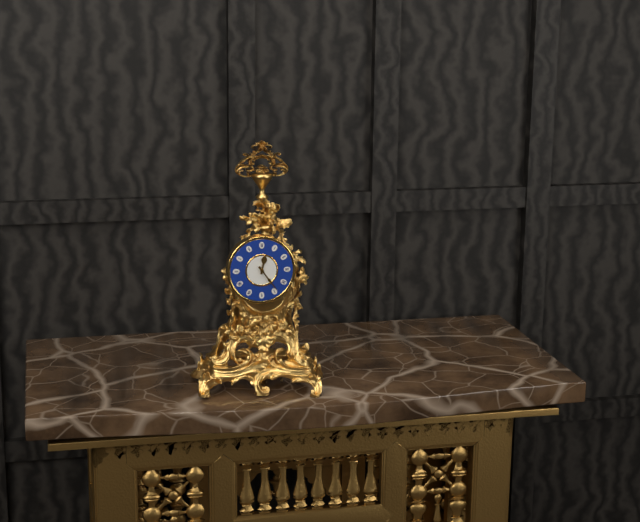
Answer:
h=12 m=24
